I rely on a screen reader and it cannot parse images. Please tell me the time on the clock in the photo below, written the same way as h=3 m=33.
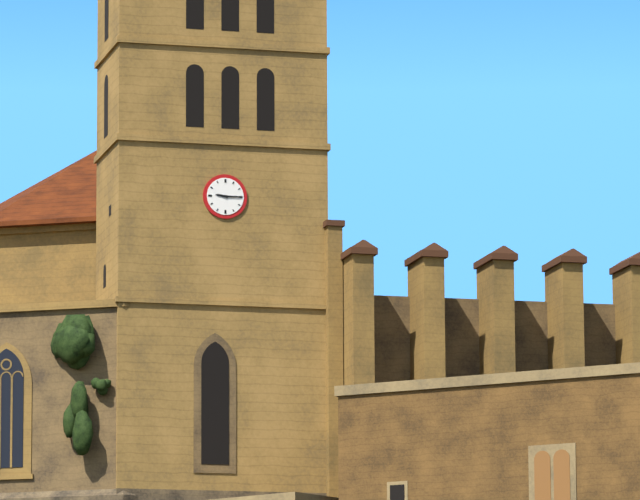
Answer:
h=9 m=15
